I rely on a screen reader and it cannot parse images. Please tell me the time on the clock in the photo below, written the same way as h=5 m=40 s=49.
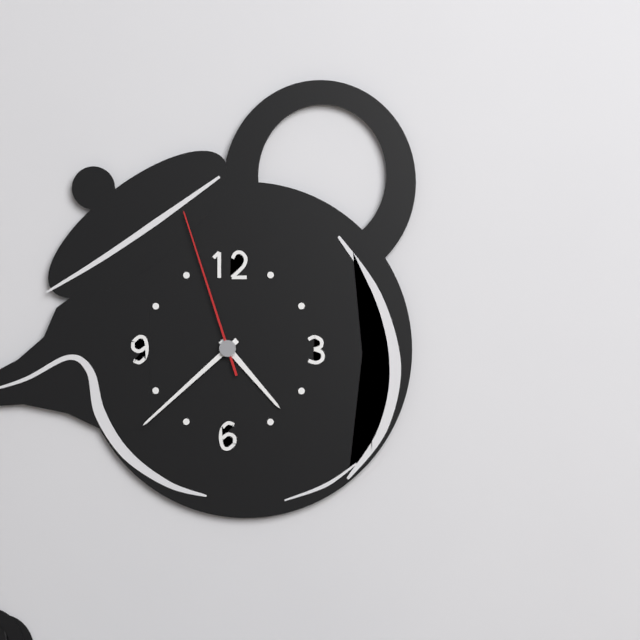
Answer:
h=4 m=38 s=57
